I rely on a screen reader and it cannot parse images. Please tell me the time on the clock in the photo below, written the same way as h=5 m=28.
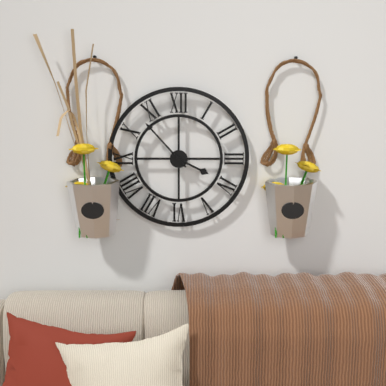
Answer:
h=3 m=53
